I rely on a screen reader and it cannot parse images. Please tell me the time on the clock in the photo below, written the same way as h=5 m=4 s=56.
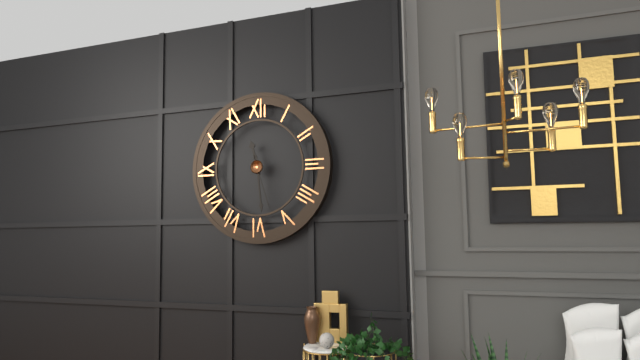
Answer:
h=11 m=29 s=27
